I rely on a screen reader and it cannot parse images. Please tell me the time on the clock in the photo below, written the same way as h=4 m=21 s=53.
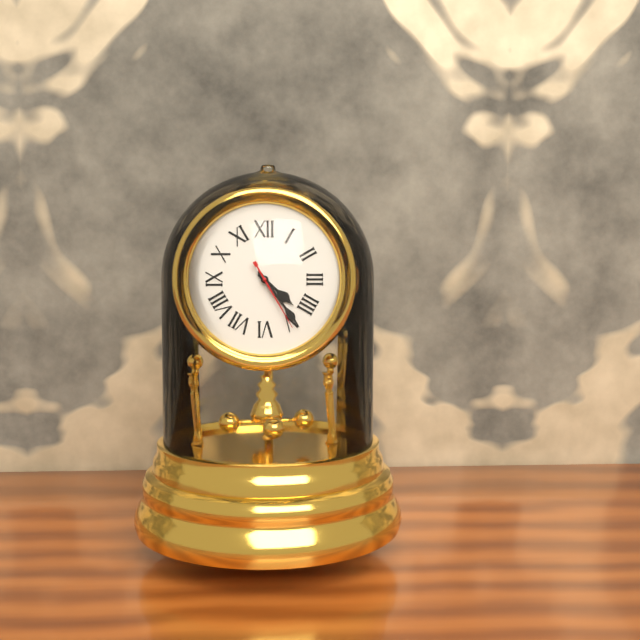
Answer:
h=4 m=24 s=25
